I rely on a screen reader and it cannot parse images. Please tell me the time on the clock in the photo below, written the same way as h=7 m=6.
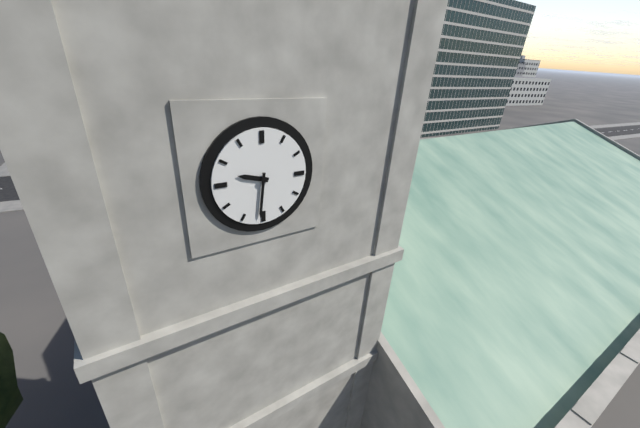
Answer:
h=9 m=31
